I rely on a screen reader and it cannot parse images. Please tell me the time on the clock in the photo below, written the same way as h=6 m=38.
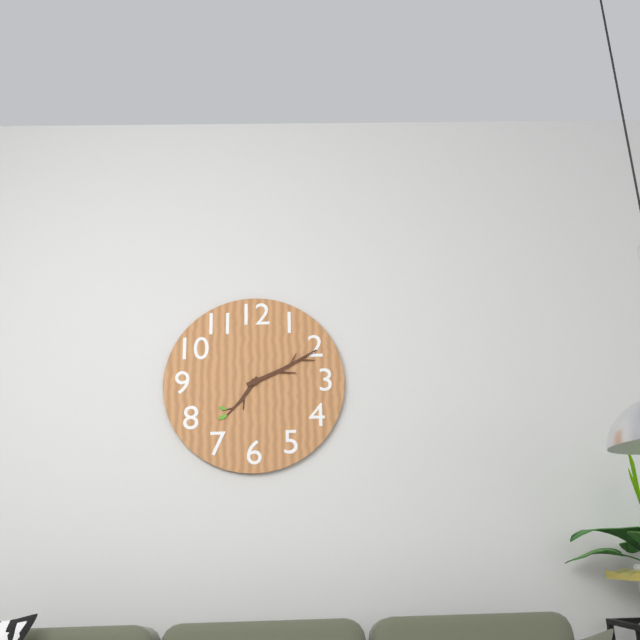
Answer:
h=7 m=11
